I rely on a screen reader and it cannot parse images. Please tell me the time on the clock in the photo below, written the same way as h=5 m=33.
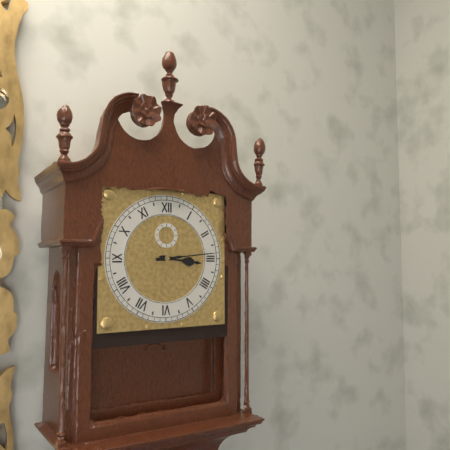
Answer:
h=3 m=14
